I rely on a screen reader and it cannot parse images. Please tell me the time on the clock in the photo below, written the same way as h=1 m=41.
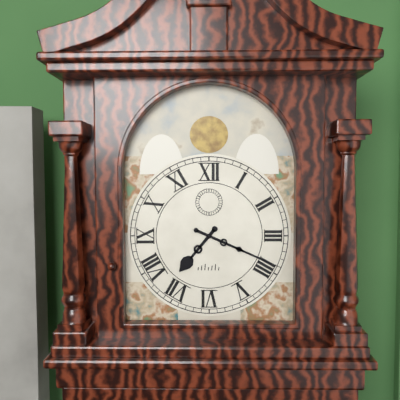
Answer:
h=7 m=19
